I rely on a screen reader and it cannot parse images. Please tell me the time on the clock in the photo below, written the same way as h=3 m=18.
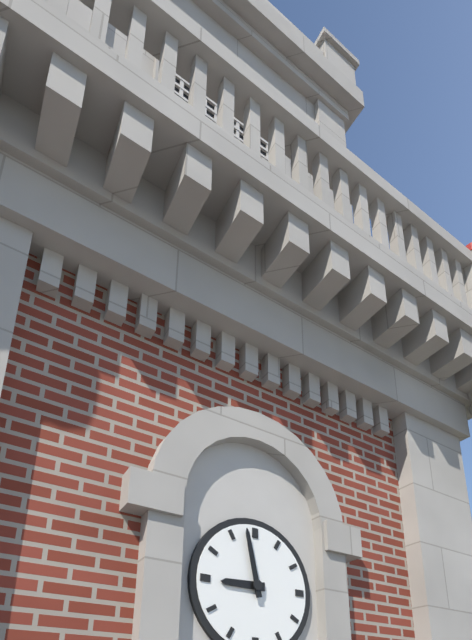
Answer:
h=8 m=58
